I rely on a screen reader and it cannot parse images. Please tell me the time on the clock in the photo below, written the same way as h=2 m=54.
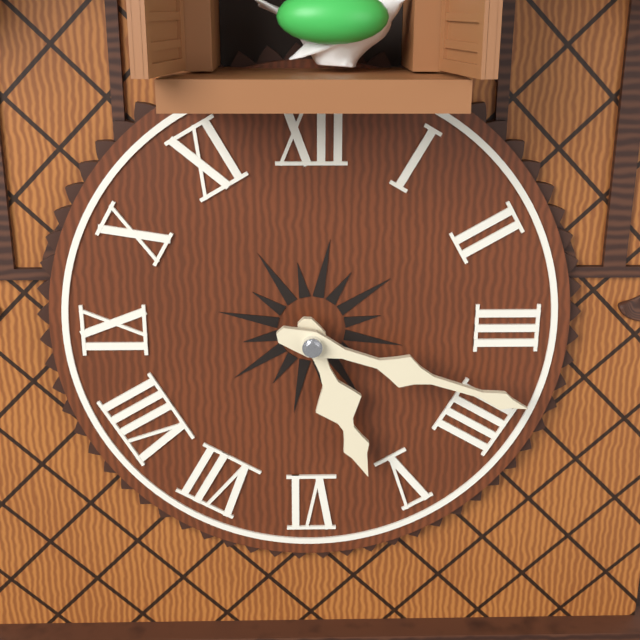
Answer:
h=5 m=18
